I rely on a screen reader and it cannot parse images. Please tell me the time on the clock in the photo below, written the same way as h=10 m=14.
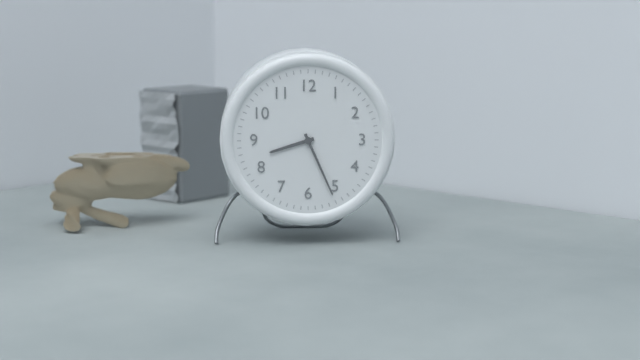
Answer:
h=8 m=26
